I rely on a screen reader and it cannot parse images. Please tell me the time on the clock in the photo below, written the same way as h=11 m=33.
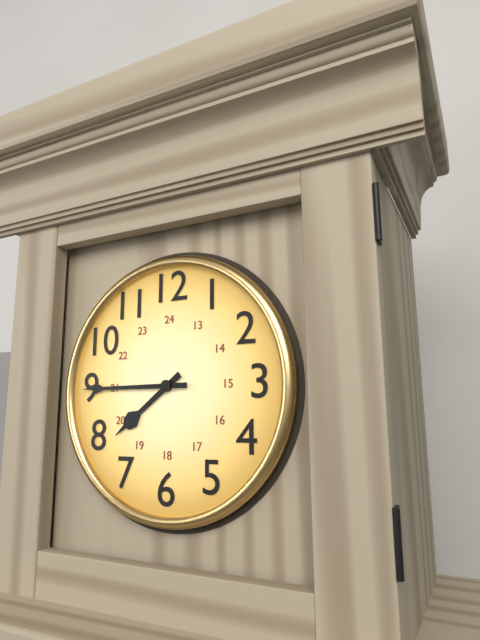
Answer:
h=7 m=45
